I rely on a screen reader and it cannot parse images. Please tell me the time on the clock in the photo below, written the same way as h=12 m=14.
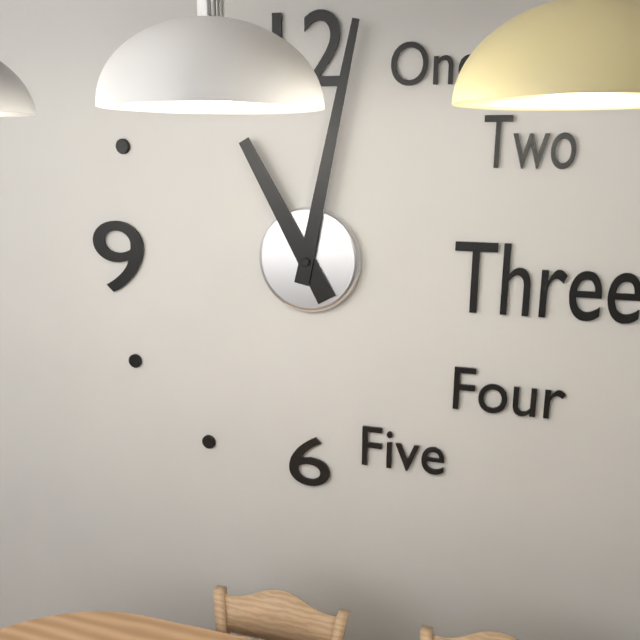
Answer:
h=11 m=2
